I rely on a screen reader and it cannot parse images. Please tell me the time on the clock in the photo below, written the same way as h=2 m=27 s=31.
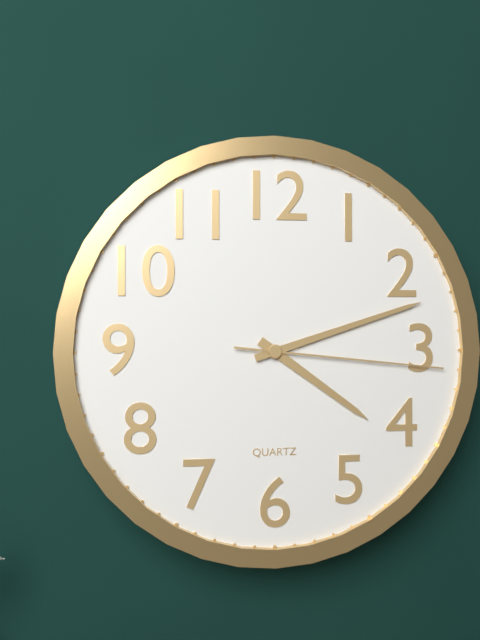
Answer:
h=4 m=12 s=16
